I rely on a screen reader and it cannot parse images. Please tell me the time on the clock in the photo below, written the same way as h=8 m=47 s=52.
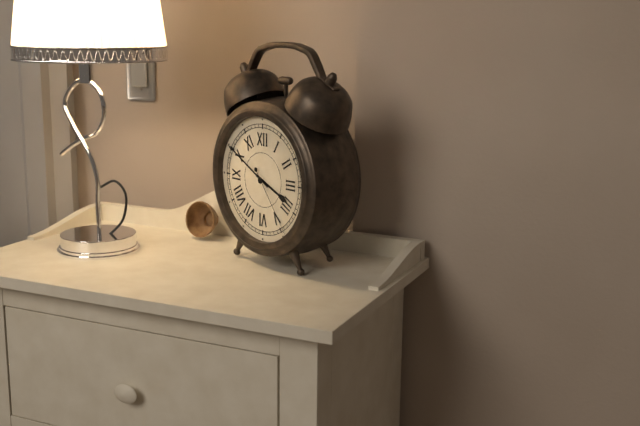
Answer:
h=3 m=50 s=24
